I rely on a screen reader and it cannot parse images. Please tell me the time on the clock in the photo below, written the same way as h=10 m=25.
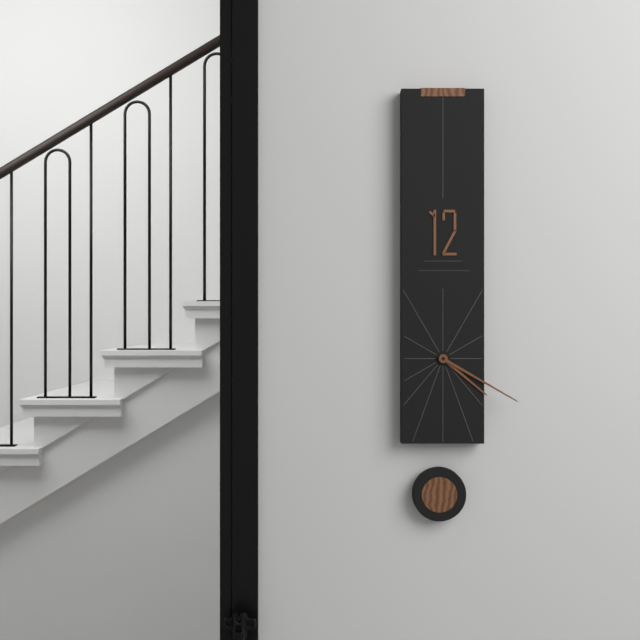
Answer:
h=4 m=20
